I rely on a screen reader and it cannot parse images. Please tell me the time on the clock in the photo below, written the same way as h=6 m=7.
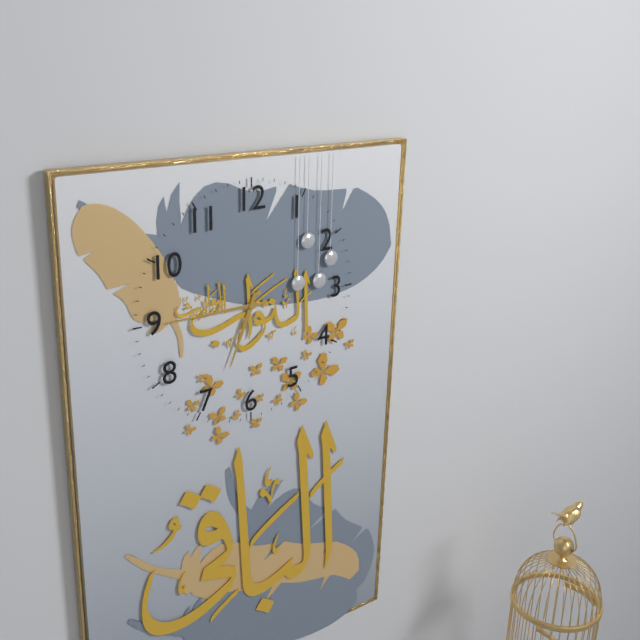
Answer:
h=6 m=45
